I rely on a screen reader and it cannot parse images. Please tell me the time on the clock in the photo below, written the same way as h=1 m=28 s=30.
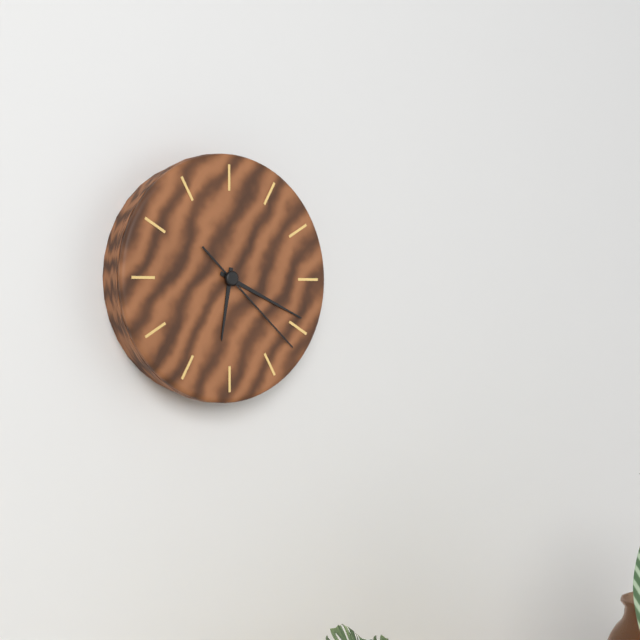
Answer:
h=6 m=19 s=22
